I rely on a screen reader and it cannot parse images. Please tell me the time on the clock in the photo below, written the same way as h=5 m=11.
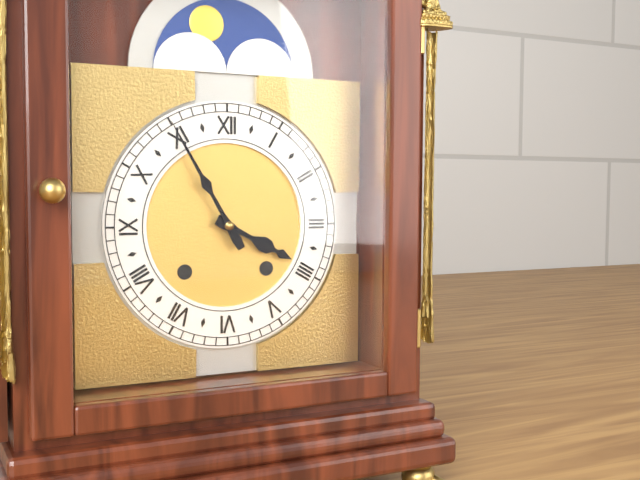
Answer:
h=3 m=55
